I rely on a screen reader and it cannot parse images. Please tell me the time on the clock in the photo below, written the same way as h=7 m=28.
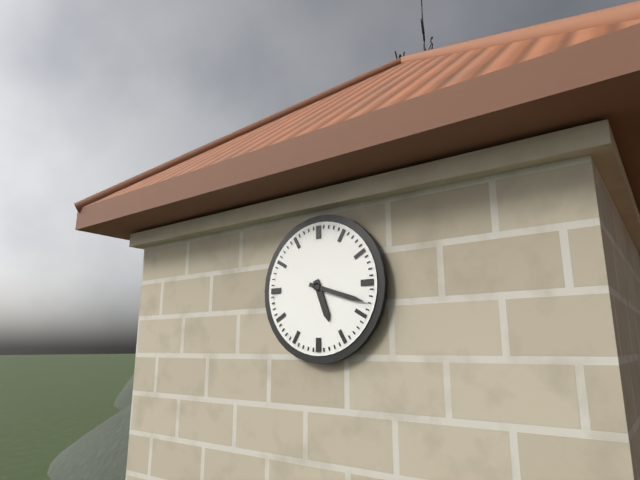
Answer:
h=5 m=18
